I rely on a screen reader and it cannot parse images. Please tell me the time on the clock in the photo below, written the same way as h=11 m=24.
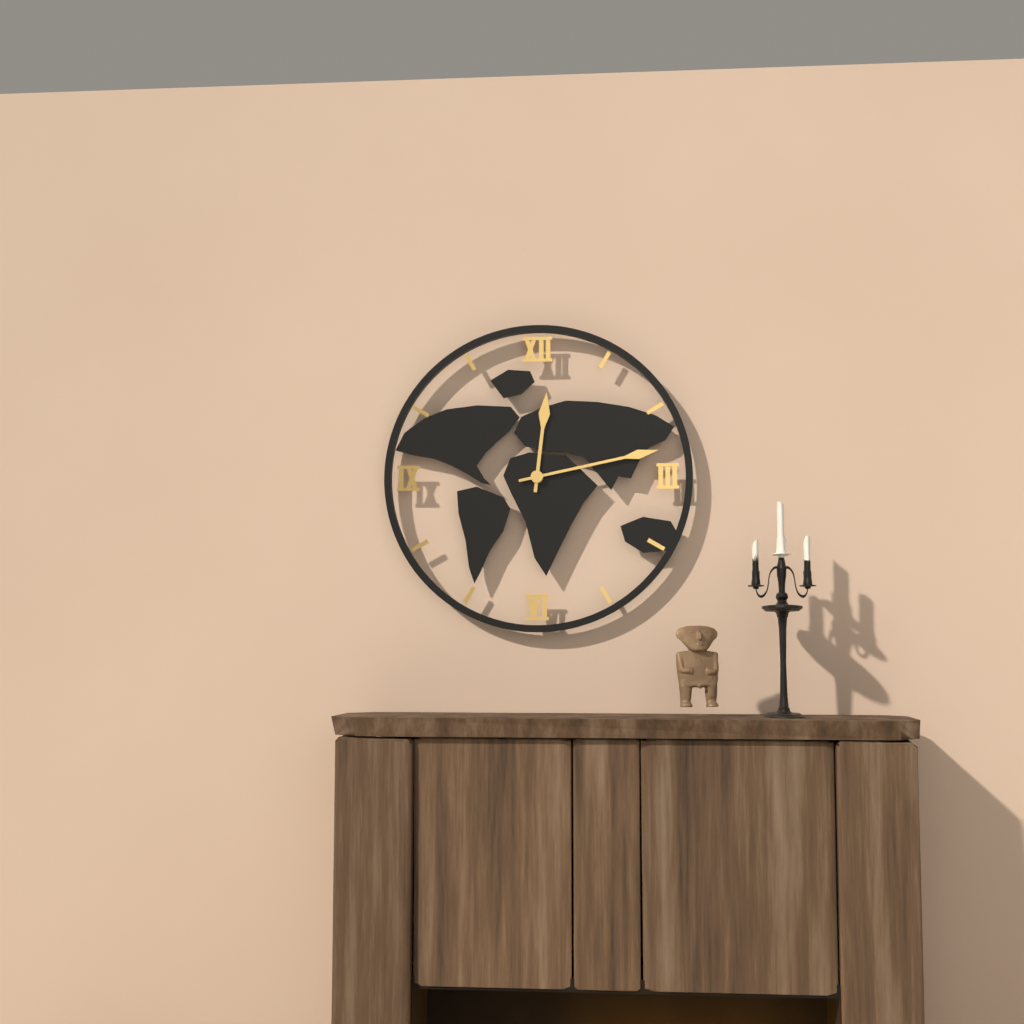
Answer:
h=12 m=13
